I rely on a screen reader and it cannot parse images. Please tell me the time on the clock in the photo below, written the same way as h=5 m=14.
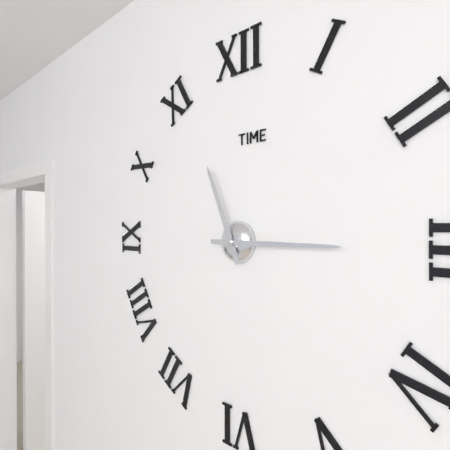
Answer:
h=11 m=15
